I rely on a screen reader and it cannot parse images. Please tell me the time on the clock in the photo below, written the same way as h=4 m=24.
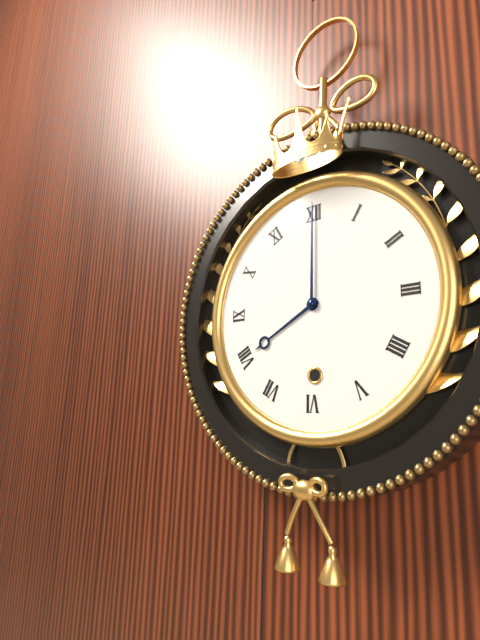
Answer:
h=8 m=0
